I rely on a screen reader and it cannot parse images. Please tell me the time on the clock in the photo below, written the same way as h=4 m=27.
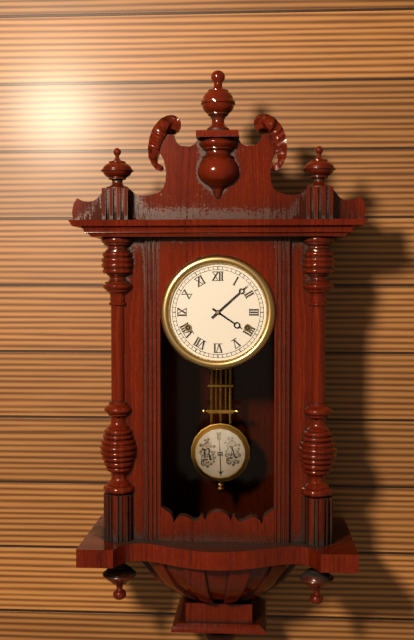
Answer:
h=4 m=8
